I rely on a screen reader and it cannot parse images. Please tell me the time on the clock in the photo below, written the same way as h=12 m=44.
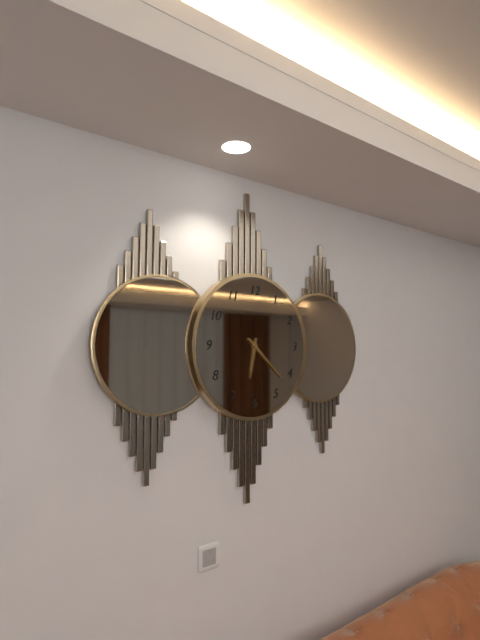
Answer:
h=6 m=22
